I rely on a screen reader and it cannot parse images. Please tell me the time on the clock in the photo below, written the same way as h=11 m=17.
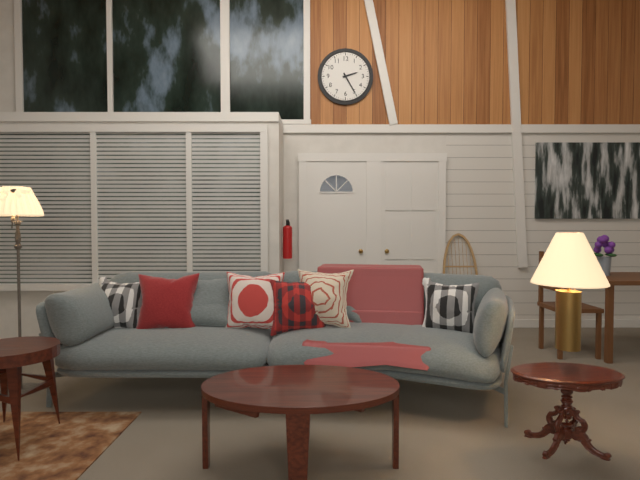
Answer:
h=2 m=25
